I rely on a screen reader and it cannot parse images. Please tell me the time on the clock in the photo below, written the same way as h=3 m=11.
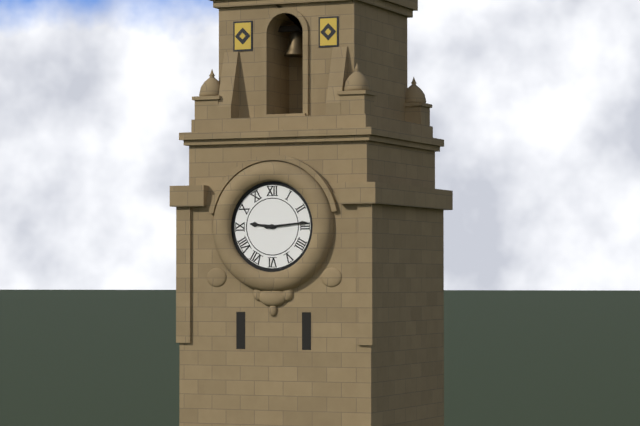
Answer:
h=9 m=14
